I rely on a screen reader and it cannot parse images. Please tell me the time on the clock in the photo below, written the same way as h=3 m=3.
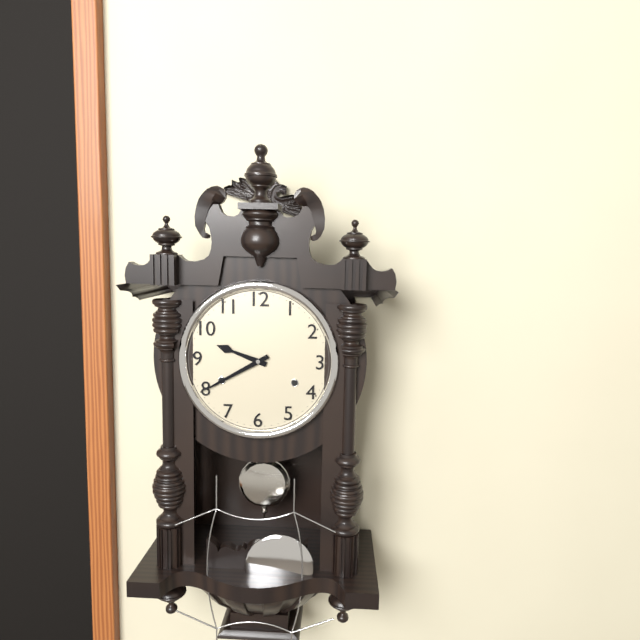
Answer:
h=9 m=40
